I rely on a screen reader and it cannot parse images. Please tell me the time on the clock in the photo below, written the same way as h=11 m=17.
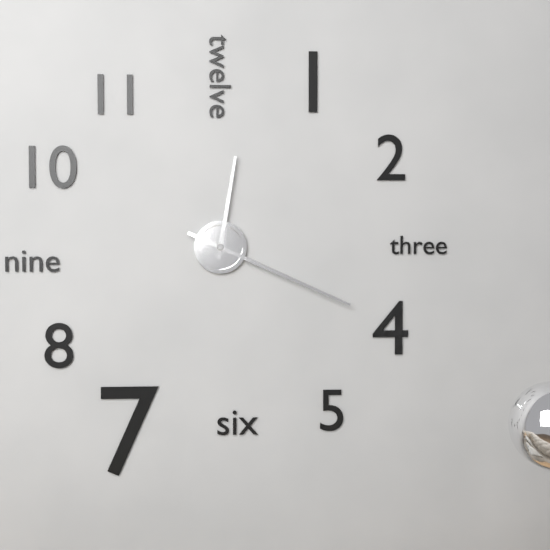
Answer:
h=12 m=19
